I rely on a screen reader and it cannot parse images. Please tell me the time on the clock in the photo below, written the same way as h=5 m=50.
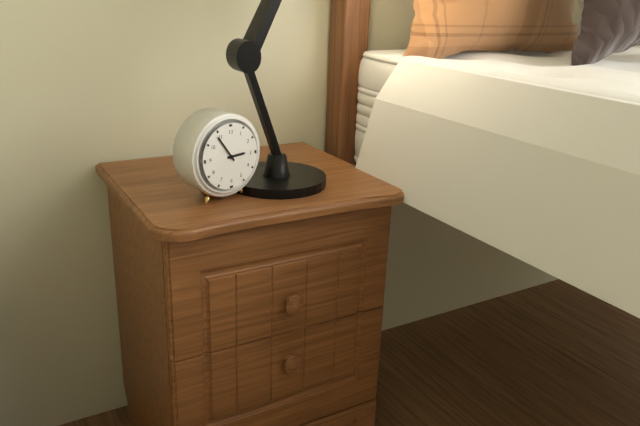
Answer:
h=2 m=54
